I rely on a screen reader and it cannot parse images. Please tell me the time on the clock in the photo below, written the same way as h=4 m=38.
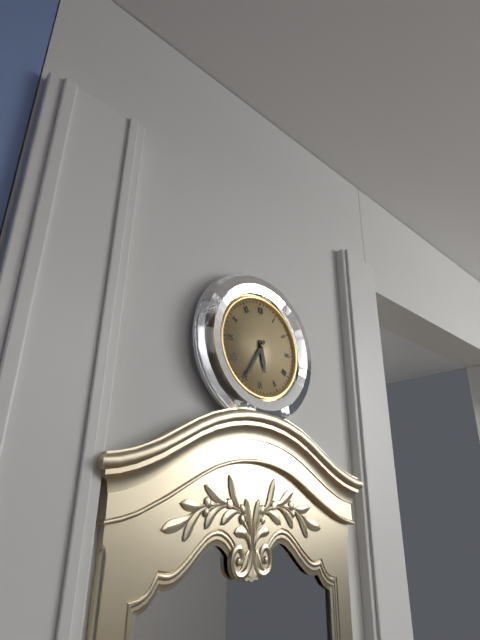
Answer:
h=5 m=35
